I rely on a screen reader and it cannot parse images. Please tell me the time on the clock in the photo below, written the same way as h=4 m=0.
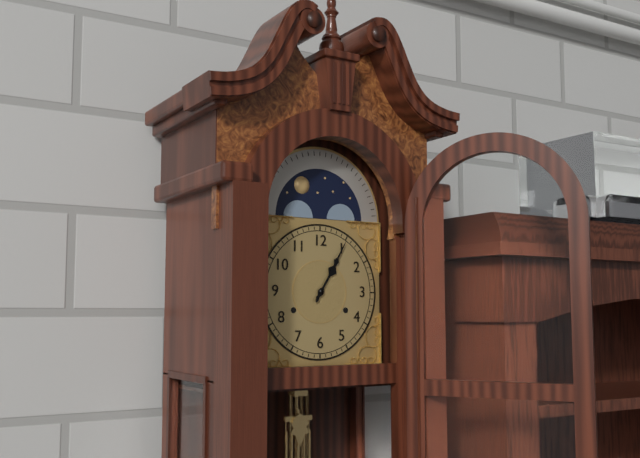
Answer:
h=1 m=5
